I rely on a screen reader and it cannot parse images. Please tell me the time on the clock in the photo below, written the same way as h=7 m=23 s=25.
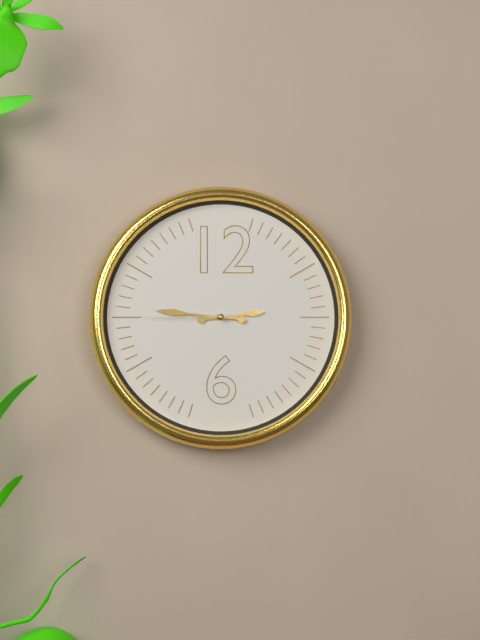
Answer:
h=2 m=46 s=45
